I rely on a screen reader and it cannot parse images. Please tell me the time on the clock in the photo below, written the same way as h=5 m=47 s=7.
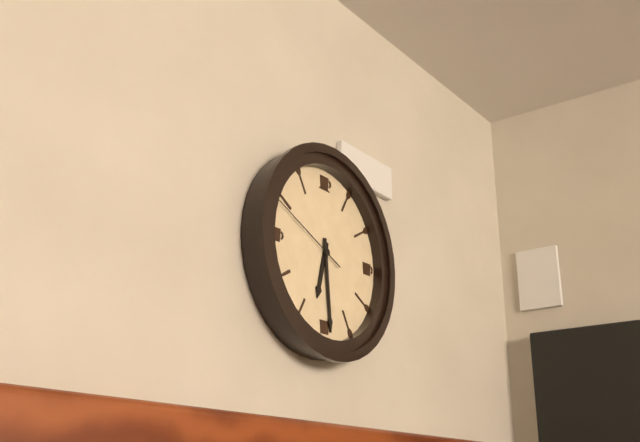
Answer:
h=6 m=29 s=49
